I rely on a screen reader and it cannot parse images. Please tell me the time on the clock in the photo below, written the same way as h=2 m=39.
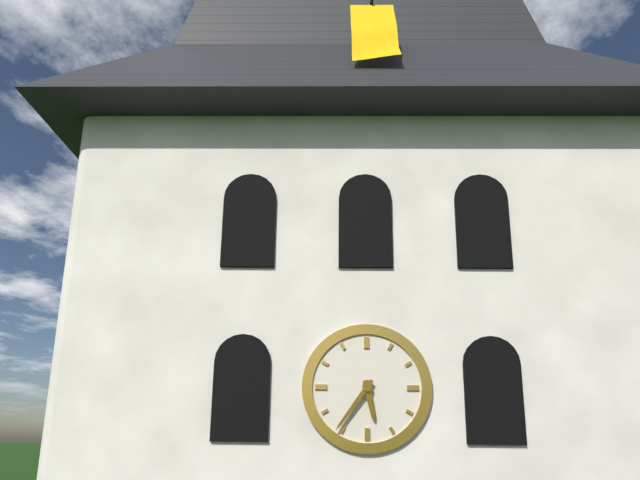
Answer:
h=5 m=36
